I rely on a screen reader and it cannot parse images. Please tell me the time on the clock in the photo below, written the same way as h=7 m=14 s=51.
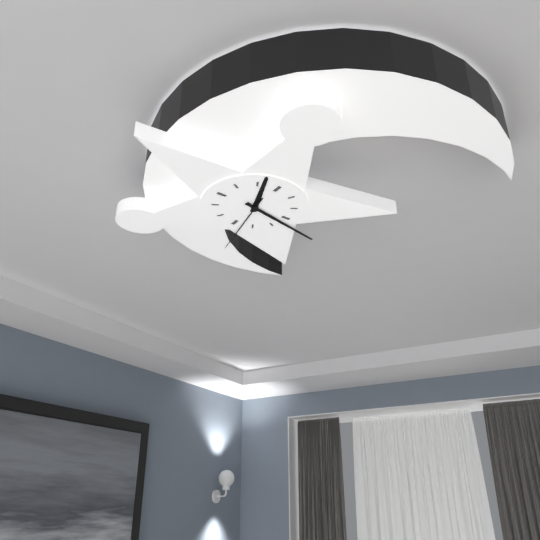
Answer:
h=11 m=17 s=28
